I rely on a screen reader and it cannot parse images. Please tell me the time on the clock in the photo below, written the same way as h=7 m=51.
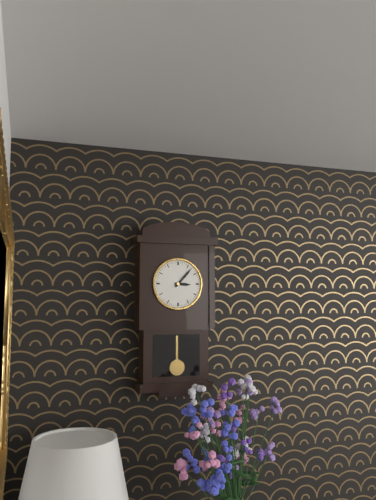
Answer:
h=3 m=7
